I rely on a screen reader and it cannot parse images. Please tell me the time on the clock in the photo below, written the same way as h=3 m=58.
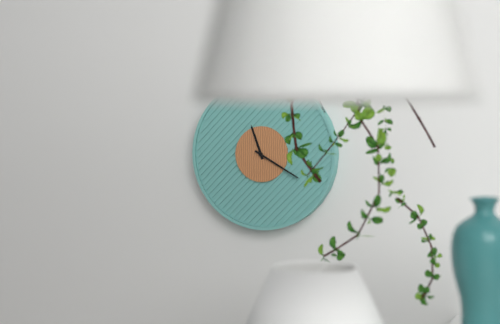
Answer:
h=11 m=20
